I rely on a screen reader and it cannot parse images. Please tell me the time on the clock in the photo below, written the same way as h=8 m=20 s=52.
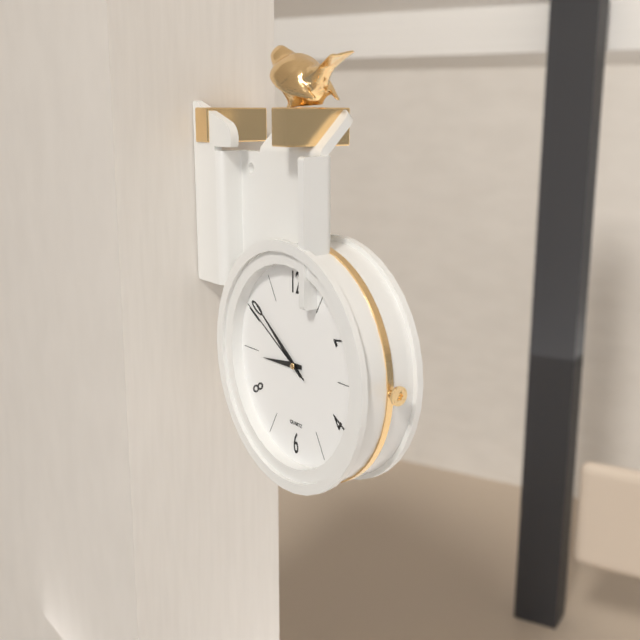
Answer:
h=8 m=51 s=50
